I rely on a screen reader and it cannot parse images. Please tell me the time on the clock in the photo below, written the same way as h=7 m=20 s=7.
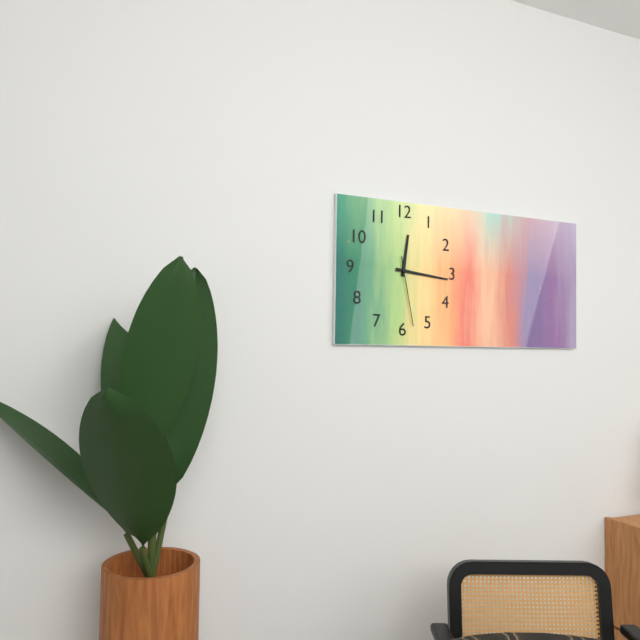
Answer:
h=12 m=16 s=28
